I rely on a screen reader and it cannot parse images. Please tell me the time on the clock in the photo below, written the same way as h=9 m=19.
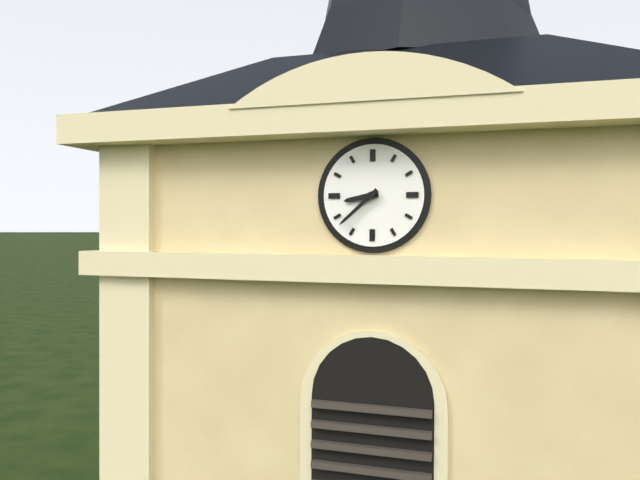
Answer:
h=8 m=38
